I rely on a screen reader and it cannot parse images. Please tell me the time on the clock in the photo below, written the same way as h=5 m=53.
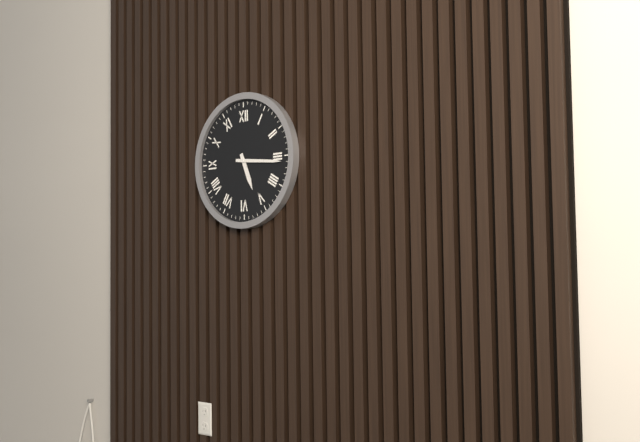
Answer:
h=5 m=16
